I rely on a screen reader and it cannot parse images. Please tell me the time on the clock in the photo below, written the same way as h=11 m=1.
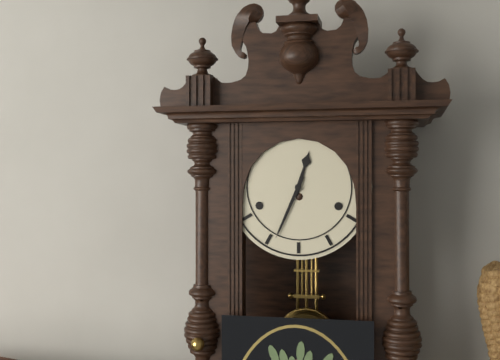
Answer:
h=12 m=34
